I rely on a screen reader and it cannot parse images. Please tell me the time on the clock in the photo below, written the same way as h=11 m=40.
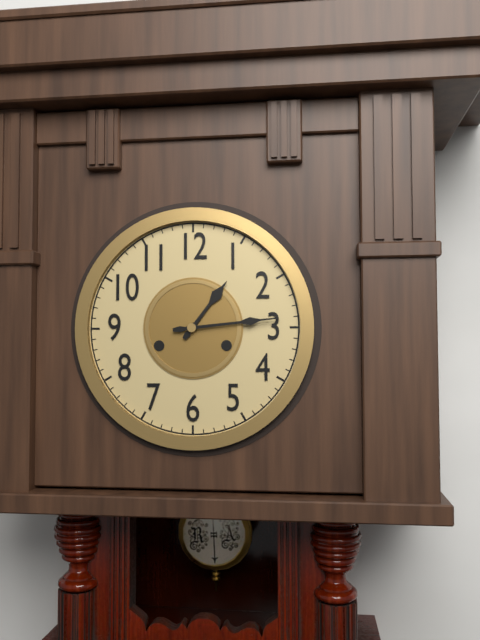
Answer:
h=1 m=14
